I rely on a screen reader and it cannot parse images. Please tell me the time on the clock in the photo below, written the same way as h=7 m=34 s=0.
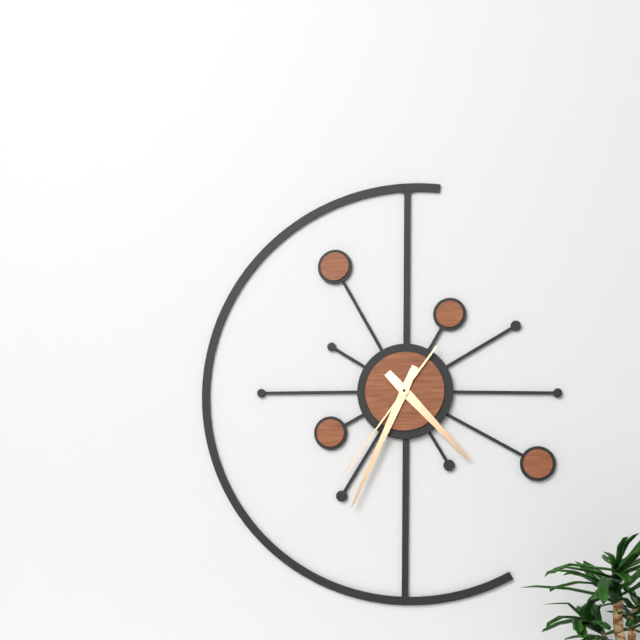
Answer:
h=4 m=34 s=36
